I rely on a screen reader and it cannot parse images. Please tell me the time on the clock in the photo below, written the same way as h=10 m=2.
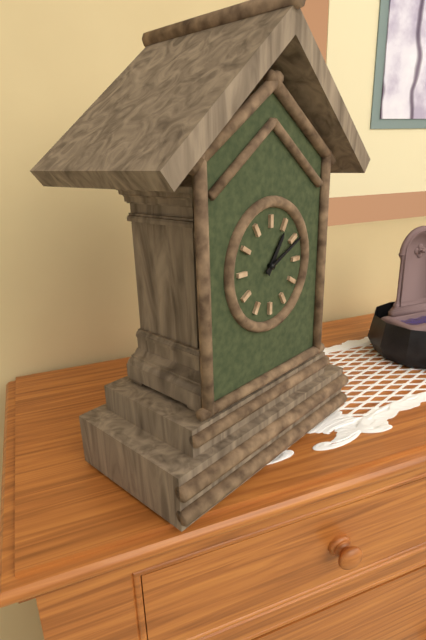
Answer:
h=1 m=11
